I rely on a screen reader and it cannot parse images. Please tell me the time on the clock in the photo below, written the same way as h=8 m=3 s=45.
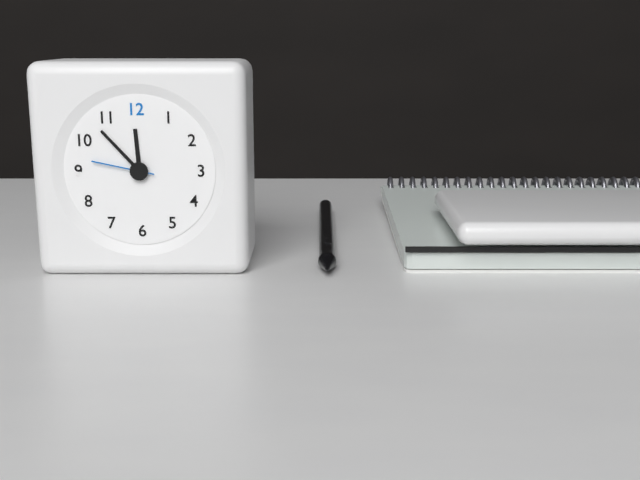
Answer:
h=11 m=53 s=47
